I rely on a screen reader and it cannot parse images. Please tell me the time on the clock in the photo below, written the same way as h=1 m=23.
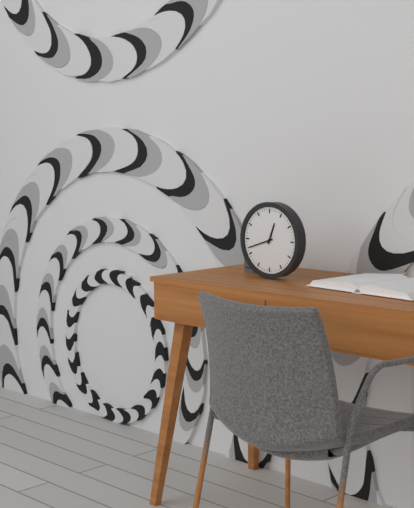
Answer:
h=12 m=42
